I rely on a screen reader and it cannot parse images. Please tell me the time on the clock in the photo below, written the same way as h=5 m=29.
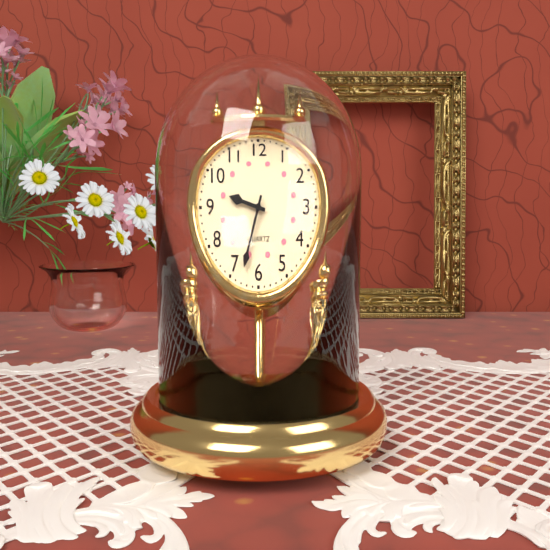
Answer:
h=9 m=33
